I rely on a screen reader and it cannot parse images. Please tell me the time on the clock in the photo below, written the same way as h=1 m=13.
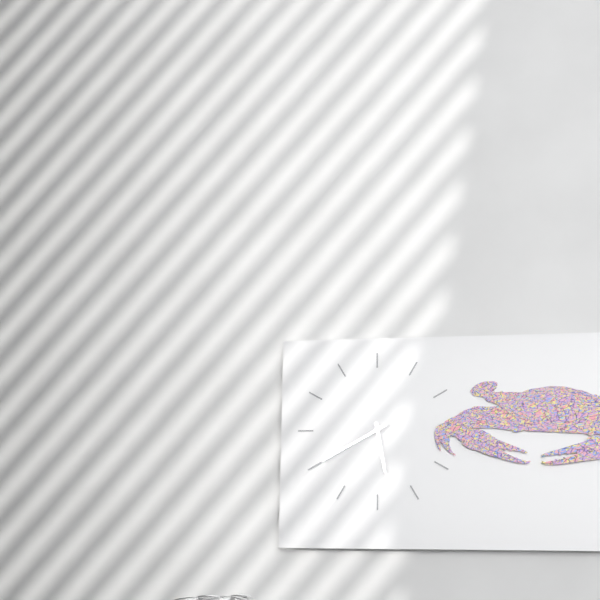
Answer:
h=5 m=40
